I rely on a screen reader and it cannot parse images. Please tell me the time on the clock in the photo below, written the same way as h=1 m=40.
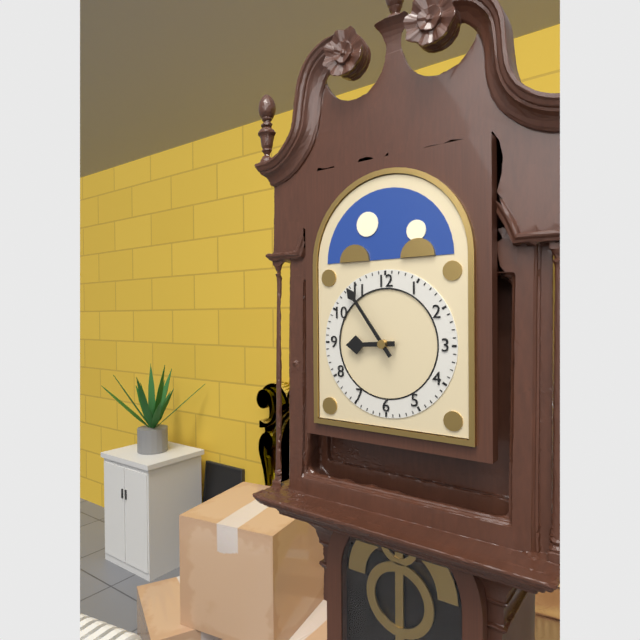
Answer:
h=8 m=54
